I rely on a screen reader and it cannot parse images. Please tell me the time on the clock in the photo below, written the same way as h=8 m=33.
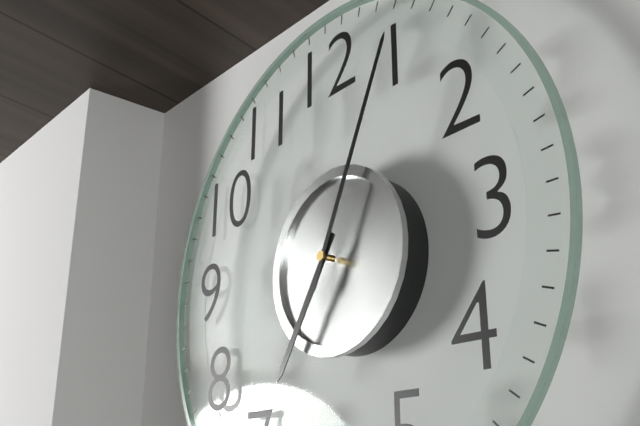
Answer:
h=7 m=4
